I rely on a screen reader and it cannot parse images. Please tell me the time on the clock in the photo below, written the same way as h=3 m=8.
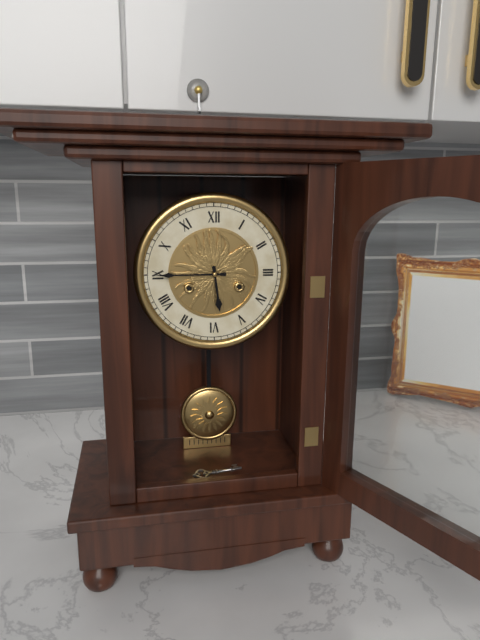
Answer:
h=5 m=45
